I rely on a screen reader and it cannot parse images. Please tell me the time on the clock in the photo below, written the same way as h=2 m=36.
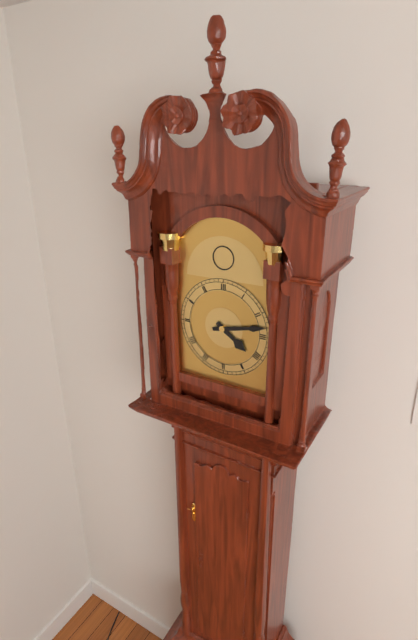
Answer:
h=4 m=13
